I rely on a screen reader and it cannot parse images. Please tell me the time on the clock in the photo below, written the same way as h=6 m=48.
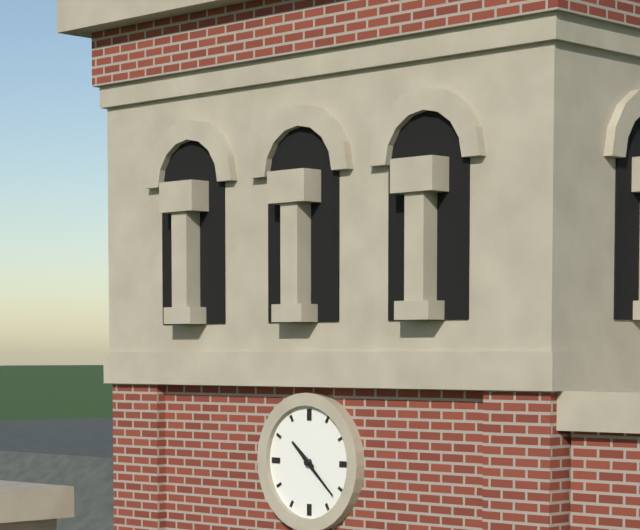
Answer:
h=10 m=22
